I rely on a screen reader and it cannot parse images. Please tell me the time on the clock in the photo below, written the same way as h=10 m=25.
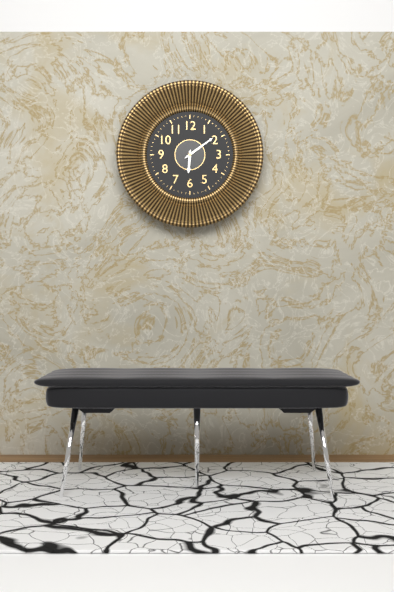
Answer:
h=6 m=9
